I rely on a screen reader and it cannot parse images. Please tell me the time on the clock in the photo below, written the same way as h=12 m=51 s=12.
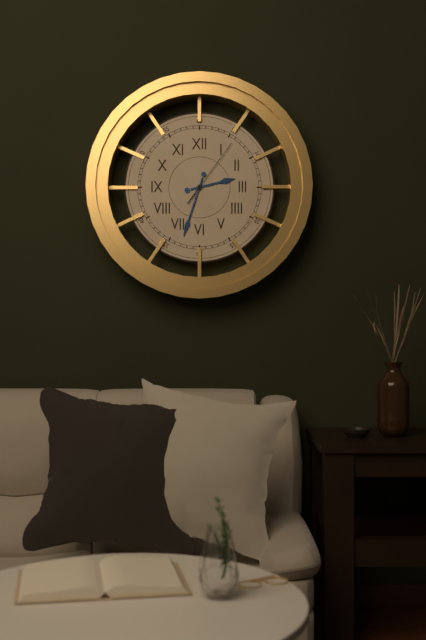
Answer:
h=2 m=33 s=6
